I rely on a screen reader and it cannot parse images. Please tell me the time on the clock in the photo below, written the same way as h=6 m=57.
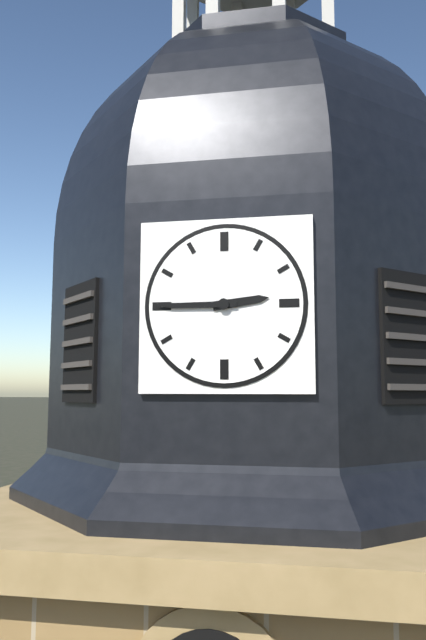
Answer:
h=2 m=45
